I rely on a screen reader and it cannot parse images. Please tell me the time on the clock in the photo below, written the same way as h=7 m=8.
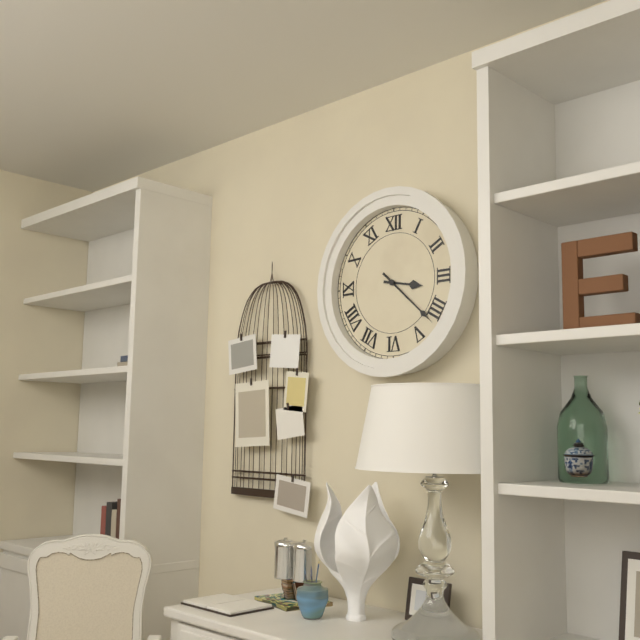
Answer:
h=3 m=22
